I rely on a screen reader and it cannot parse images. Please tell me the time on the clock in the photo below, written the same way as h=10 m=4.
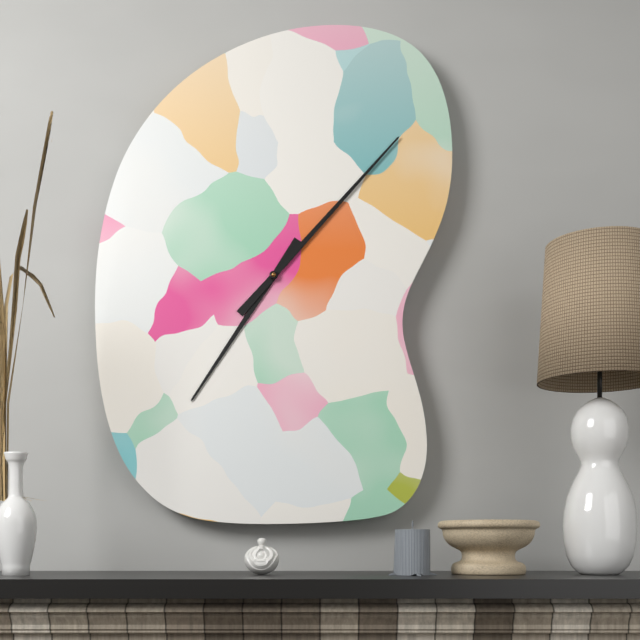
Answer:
h=7 m=7
